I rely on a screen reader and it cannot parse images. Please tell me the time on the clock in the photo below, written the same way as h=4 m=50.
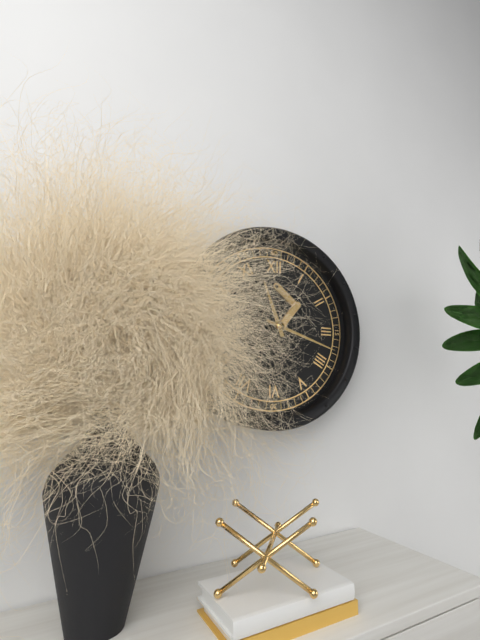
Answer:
h=11 m=18
